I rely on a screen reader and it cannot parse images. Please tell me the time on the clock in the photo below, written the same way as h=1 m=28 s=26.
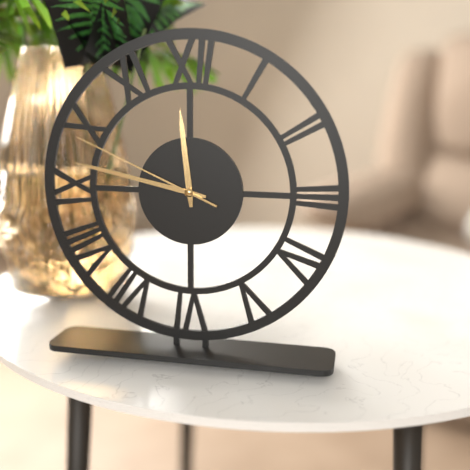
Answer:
h=11 m=47 s=49
